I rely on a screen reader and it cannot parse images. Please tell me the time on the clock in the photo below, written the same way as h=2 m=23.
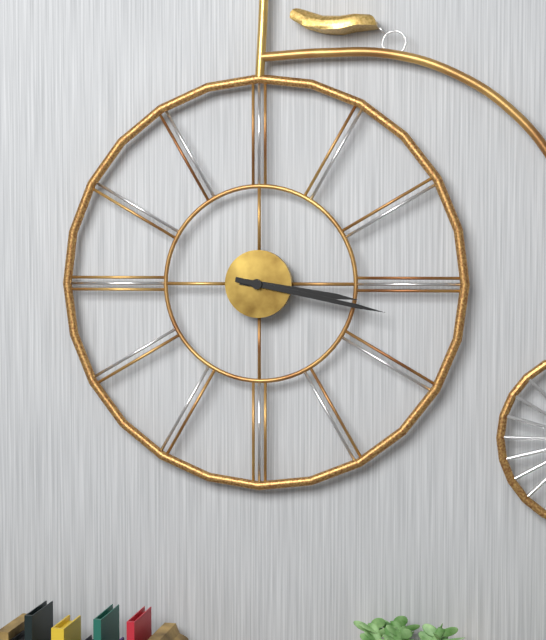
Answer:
h=3 m=17
